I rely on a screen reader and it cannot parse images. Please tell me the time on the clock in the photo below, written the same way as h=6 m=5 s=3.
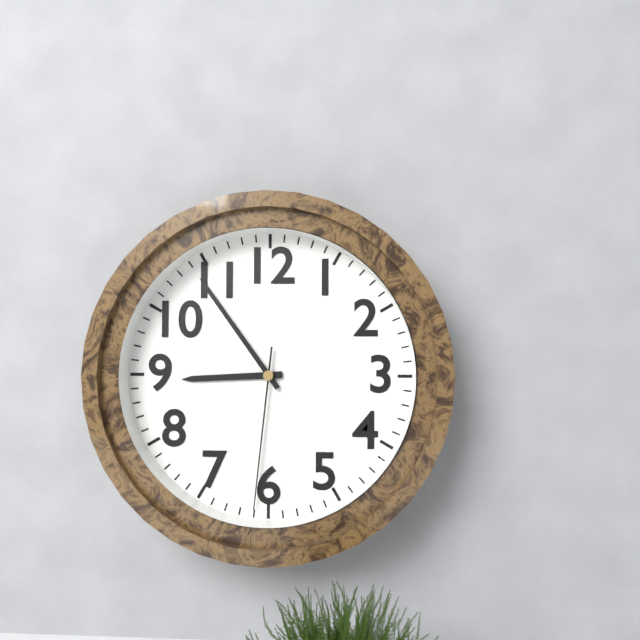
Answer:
h=8 m=54 s=31
